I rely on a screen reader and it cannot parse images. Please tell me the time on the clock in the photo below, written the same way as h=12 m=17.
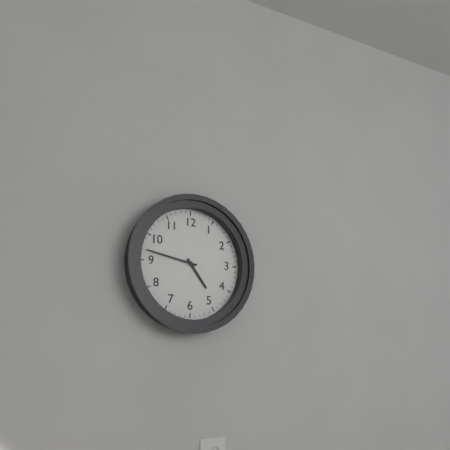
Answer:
h=4 m=47
